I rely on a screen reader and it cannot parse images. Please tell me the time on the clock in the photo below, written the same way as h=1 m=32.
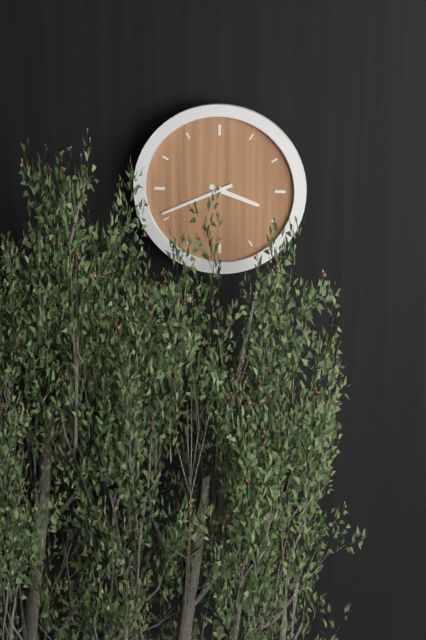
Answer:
h=3 m=41
